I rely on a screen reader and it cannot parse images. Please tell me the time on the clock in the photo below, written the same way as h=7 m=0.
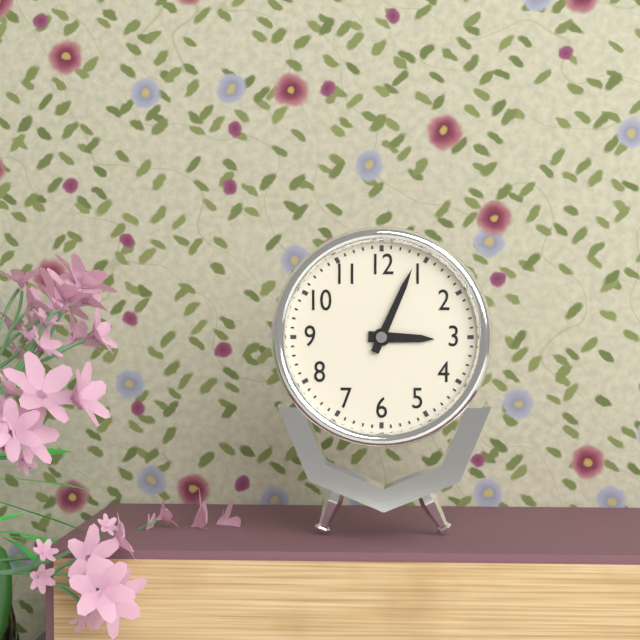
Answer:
h=3 m=4
